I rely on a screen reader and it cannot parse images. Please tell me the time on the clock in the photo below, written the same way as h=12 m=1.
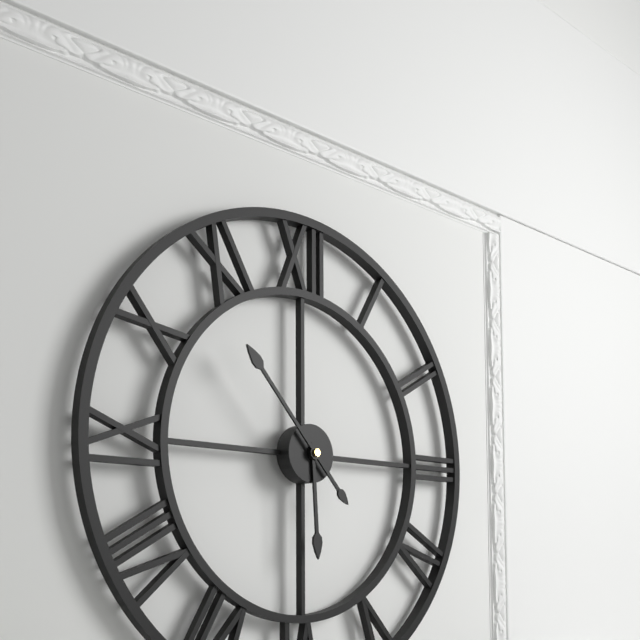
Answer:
h=5 m=53
